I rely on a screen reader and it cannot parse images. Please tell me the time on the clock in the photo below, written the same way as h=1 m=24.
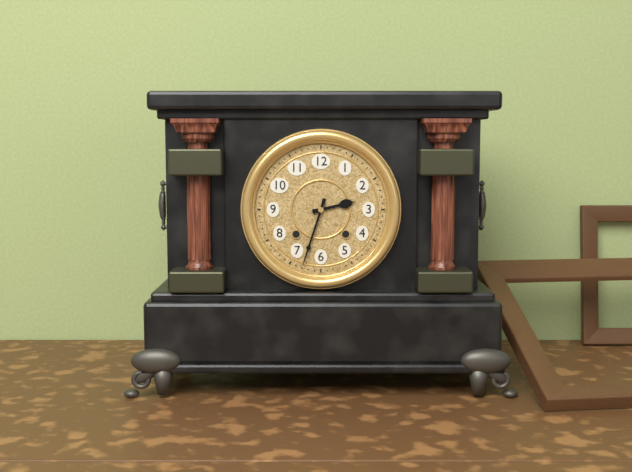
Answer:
h=2 m=33
